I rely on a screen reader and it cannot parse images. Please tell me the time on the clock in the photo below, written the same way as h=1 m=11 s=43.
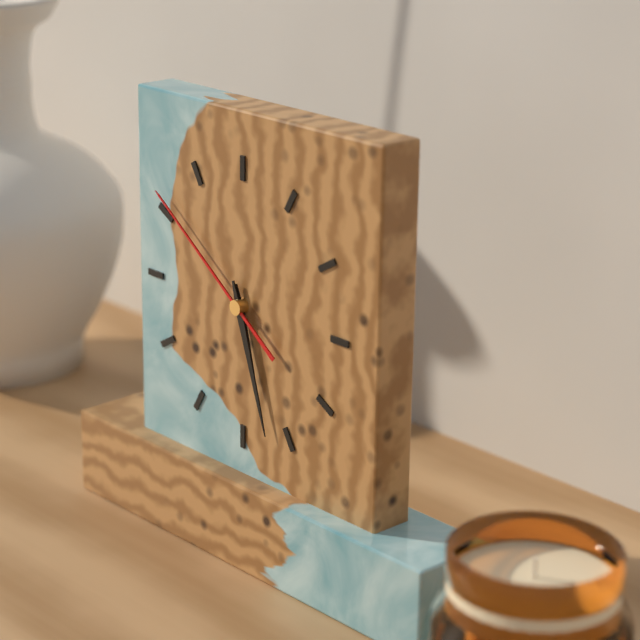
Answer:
h=5 m=27 s=51
